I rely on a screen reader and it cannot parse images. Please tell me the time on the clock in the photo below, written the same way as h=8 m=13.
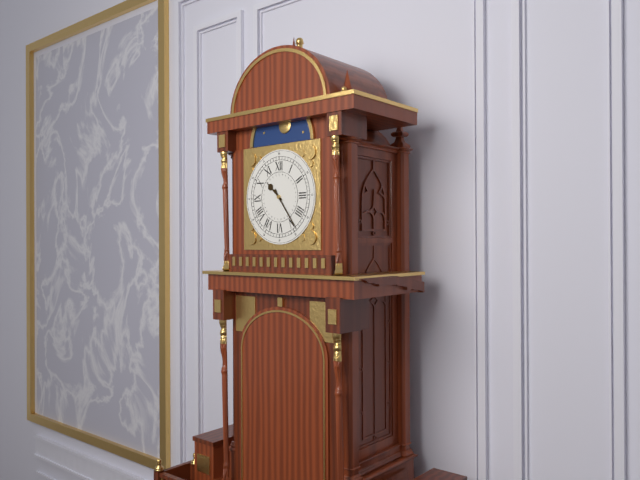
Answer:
h=10 m=24
